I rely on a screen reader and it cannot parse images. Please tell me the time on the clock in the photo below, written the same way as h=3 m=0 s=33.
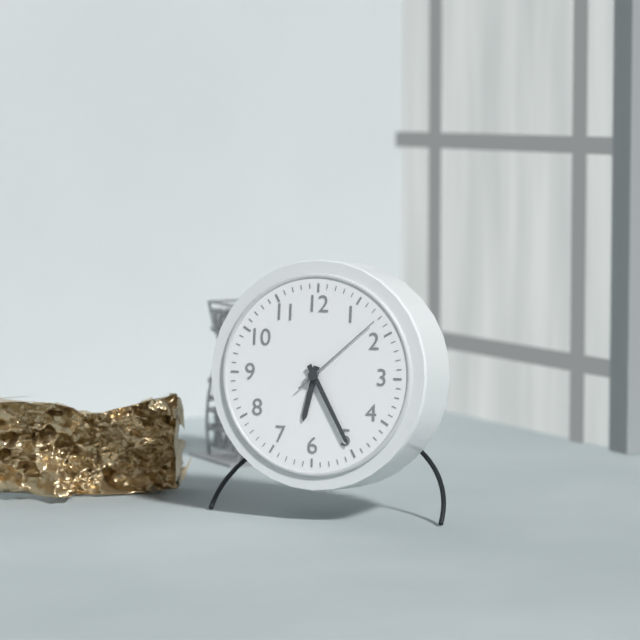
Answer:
h=6 m=25 s=8
